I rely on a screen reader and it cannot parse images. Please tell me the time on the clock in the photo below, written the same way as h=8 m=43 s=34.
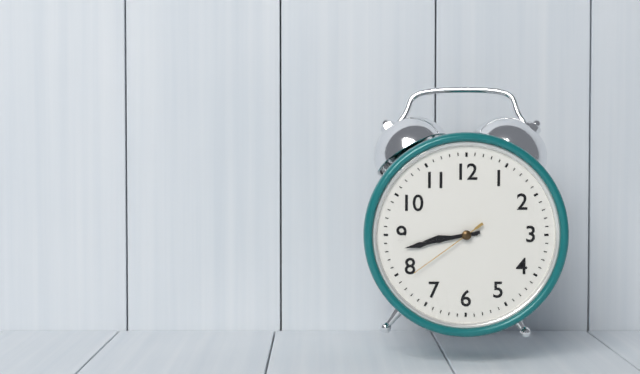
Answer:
h=8 m=43 s=39
